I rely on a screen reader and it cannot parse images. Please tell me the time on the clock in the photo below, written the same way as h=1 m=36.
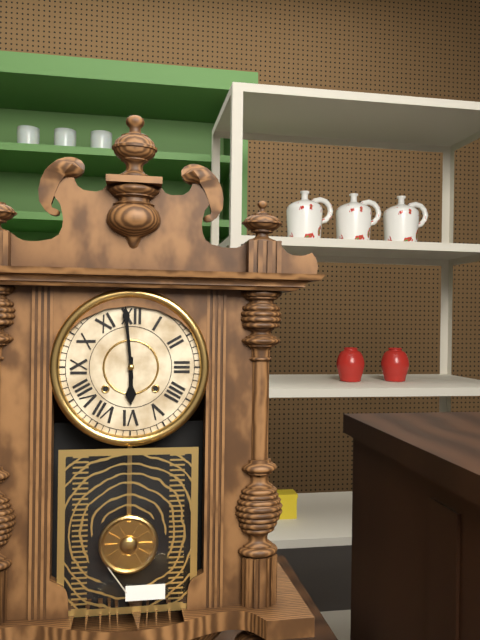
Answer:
h=5 m=59
